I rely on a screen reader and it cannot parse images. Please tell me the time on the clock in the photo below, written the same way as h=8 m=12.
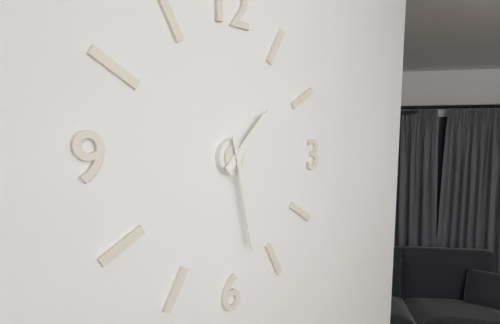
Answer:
h=1 m=28
